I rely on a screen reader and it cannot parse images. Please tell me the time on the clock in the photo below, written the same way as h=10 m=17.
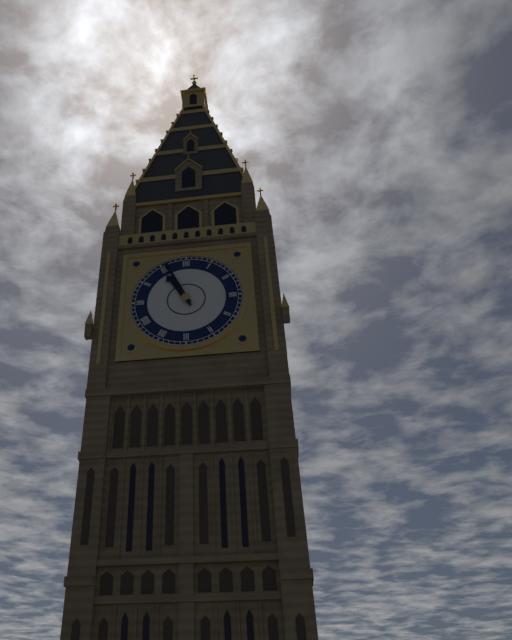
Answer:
h=10 m=56
